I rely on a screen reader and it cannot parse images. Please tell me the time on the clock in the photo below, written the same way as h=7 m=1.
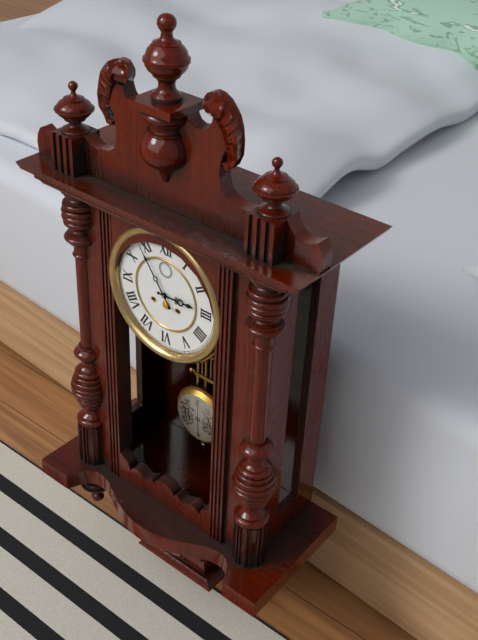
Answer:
h=2 m=54
